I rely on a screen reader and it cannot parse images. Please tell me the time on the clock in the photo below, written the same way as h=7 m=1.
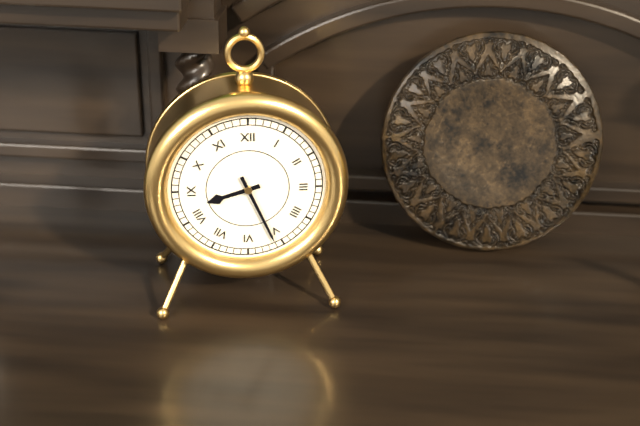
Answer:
h=8 m=26
